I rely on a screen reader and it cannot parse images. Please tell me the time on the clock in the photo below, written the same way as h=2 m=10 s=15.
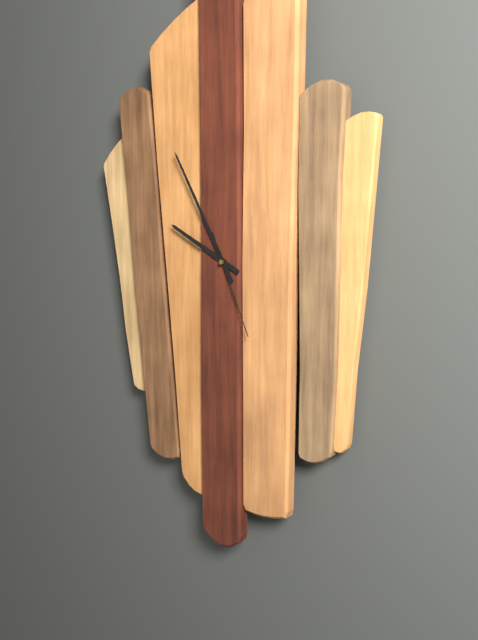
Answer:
h=9 m=55 s=26
